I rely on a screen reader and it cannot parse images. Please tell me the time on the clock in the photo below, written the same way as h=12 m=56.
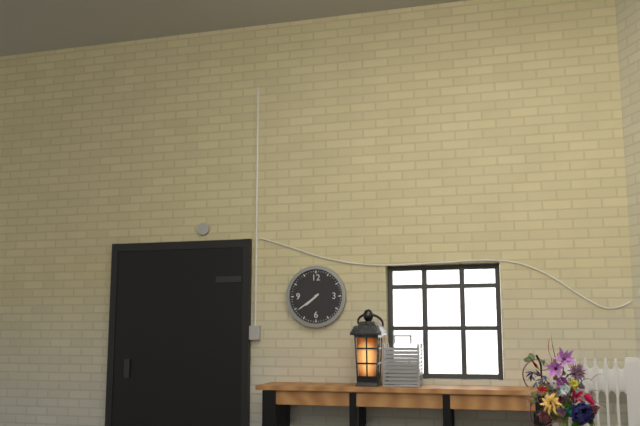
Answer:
h=7 m=39
